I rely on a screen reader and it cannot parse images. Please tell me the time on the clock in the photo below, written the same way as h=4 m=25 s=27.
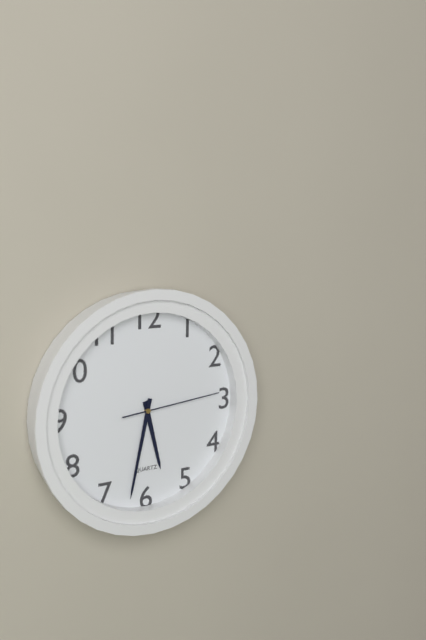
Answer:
h=5 m=32 s=14
